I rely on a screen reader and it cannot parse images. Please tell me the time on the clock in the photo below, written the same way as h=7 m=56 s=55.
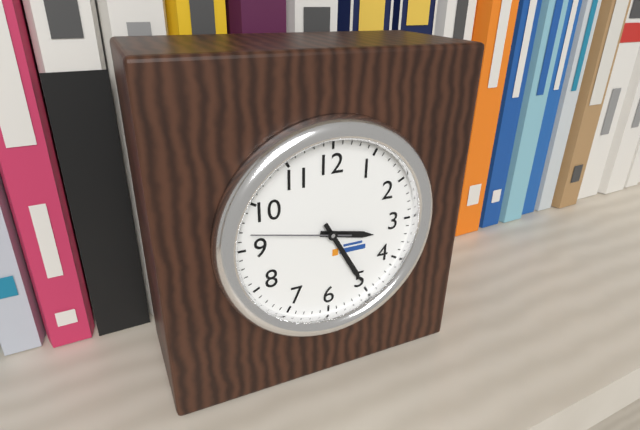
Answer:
h=3 m=25 s=47
